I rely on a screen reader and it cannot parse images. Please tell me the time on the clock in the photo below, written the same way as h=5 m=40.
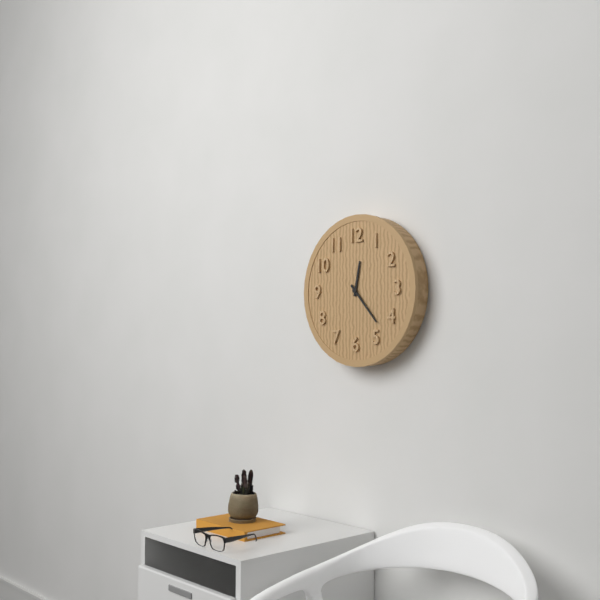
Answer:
h=12 m=23
